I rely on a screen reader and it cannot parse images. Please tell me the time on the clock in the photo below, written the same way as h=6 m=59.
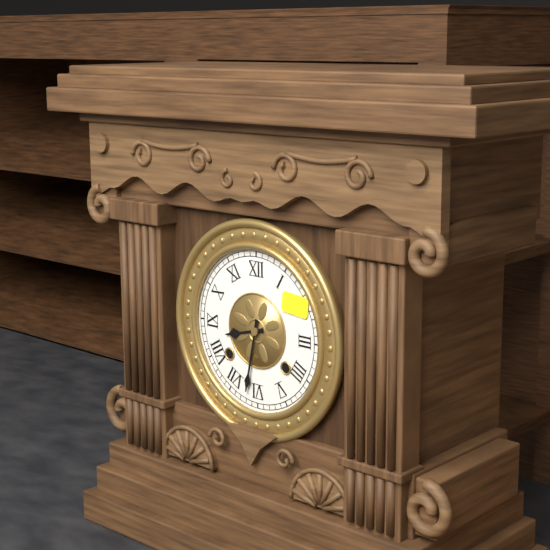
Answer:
h=8 m=32
